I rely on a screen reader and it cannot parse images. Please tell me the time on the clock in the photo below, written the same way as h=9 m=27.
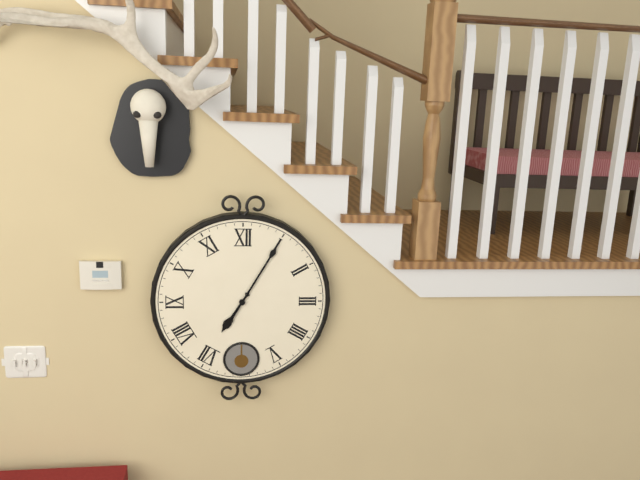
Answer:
h=7 m=5
